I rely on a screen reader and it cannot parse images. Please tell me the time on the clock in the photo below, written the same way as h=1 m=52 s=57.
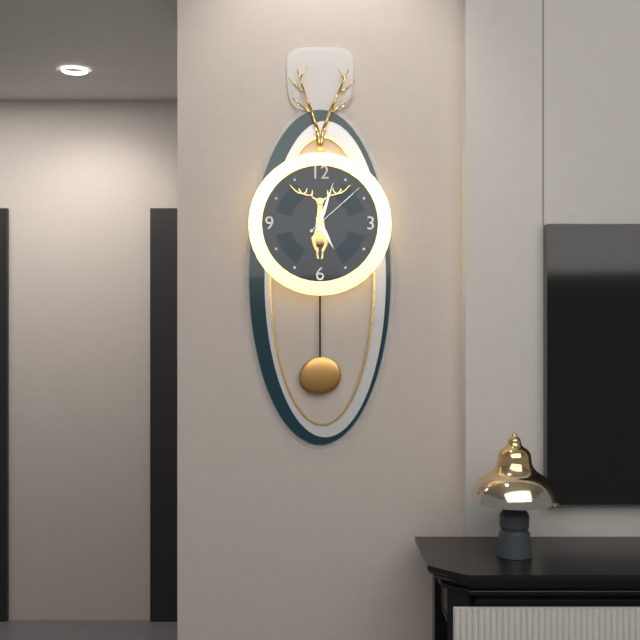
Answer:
h=5 m=3 s=8
